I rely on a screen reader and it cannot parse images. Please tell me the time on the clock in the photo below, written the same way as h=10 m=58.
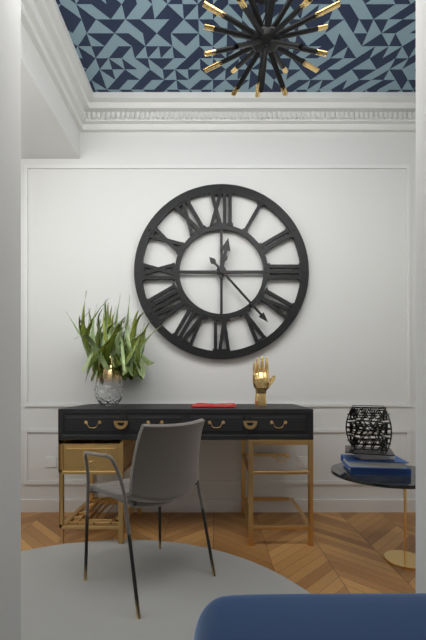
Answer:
h=12 m=23
